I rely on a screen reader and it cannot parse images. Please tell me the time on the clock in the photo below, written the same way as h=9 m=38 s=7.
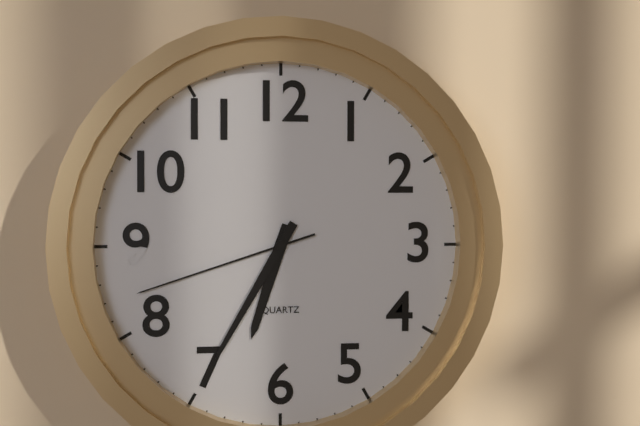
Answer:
h=6 m=35 s=42
